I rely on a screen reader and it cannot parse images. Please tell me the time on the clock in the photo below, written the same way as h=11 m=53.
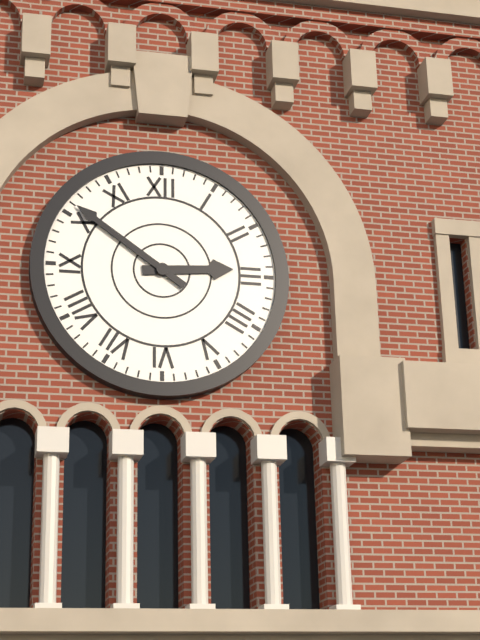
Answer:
h=2 m=51
